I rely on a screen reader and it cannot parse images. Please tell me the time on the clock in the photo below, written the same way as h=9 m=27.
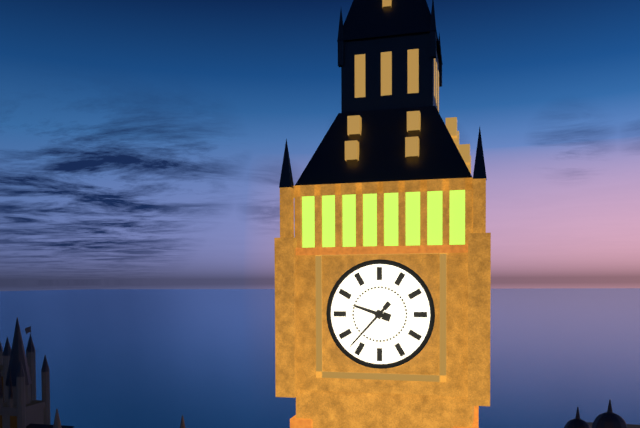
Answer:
h=9 m=37
